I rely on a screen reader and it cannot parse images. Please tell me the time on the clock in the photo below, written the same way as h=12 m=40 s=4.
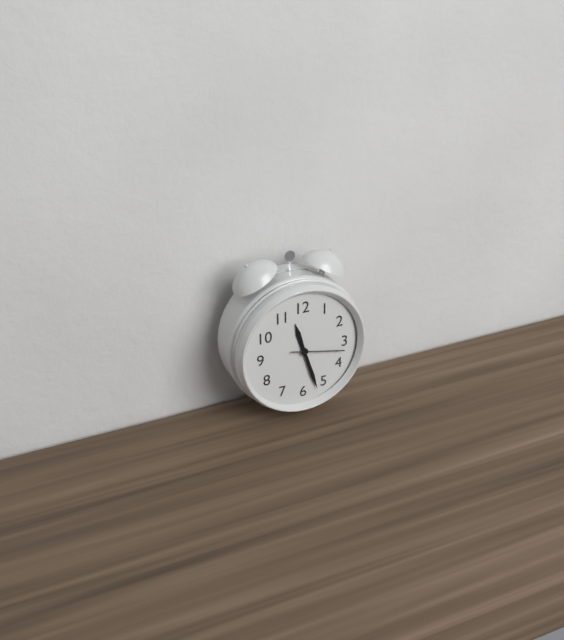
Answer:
h=11 m=27 s=17
